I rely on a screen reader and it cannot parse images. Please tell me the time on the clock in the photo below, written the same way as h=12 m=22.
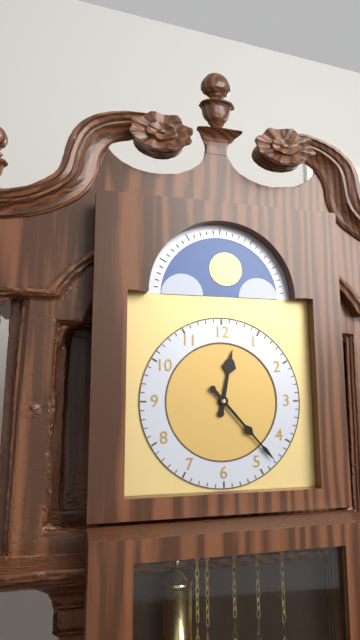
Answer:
h=12 m=23
